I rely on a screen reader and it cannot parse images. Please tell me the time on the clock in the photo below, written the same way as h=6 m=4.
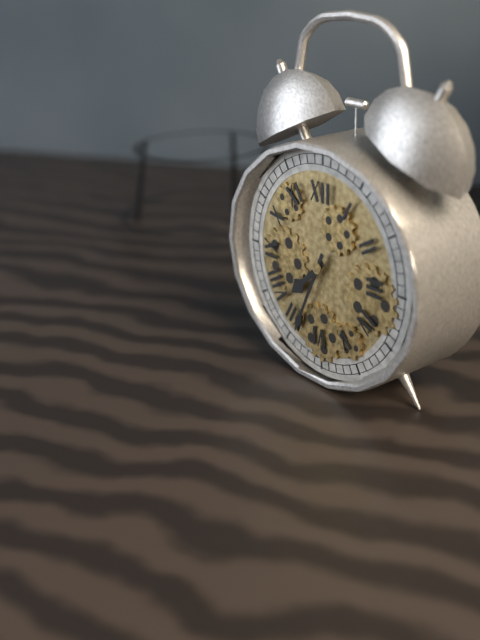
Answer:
h=7 m=34
